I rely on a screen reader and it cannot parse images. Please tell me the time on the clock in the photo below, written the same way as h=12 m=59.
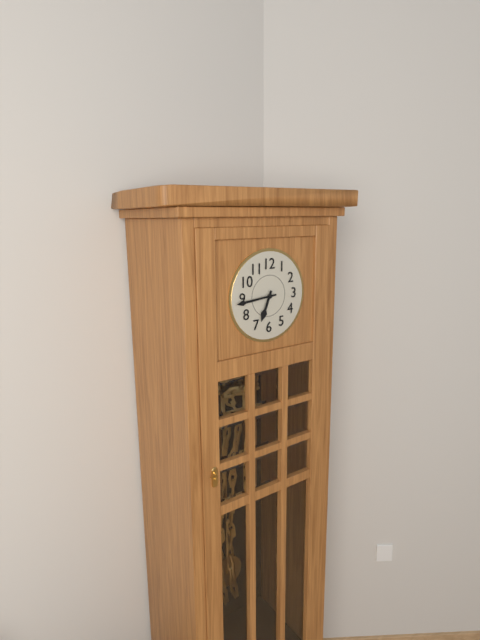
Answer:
h=6 m=44
